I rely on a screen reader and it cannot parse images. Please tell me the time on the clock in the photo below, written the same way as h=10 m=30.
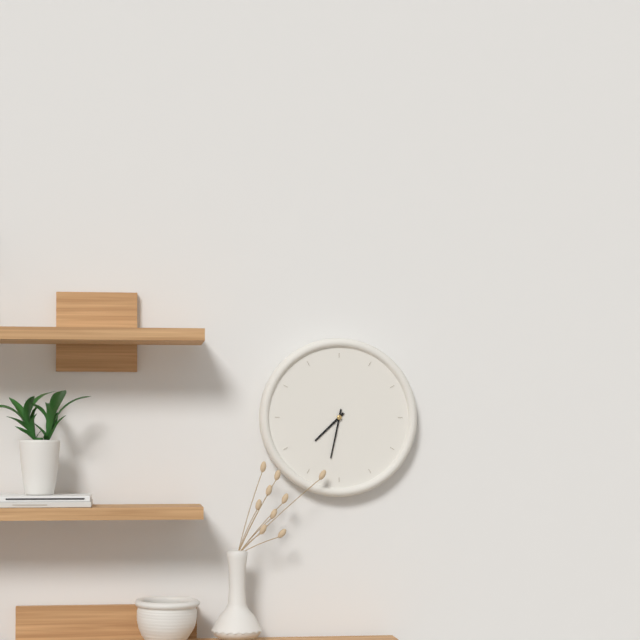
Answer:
h=7 m=32
